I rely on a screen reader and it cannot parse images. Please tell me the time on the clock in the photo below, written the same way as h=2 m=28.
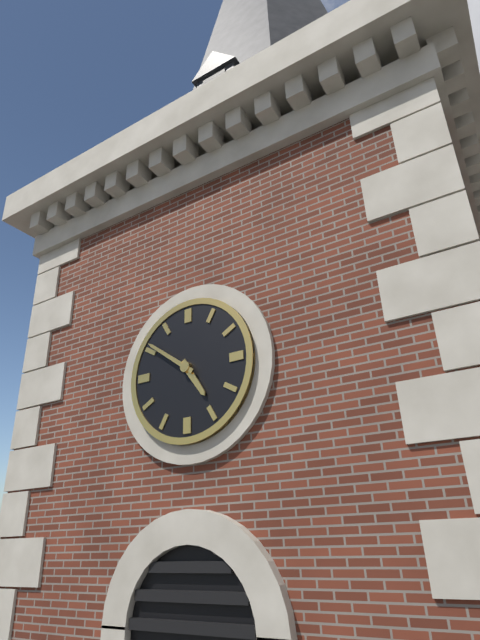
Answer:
h=4 m=51
